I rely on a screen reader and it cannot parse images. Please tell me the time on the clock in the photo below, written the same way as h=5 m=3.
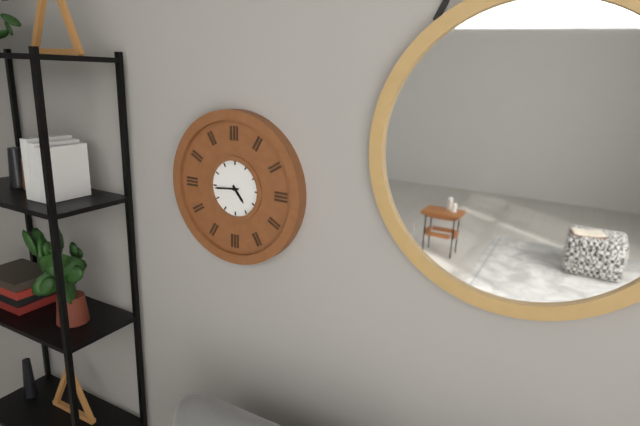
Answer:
h=4 m=44
